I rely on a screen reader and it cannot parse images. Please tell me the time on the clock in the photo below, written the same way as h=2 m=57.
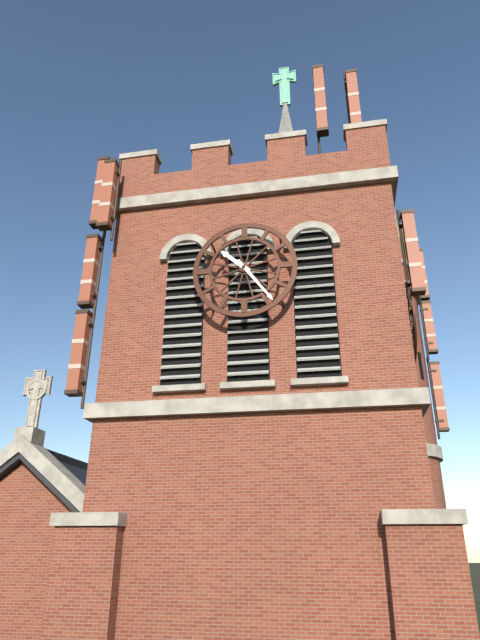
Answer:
h=10 m=24
